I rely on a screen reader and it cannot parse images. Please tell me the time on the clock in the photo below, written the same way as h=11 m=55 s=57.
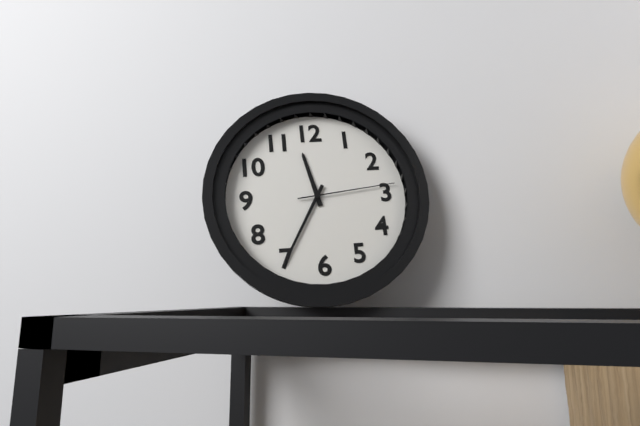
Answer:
h=11 m=35 s=14
